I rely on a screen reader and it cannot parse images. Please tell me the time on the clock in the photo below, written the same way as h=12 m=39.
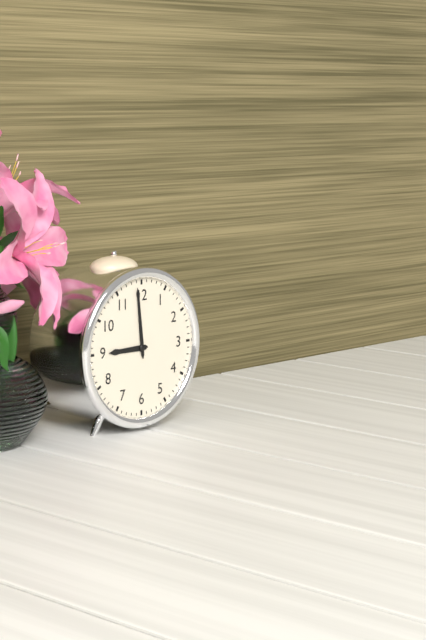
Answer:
h=8 m=59
